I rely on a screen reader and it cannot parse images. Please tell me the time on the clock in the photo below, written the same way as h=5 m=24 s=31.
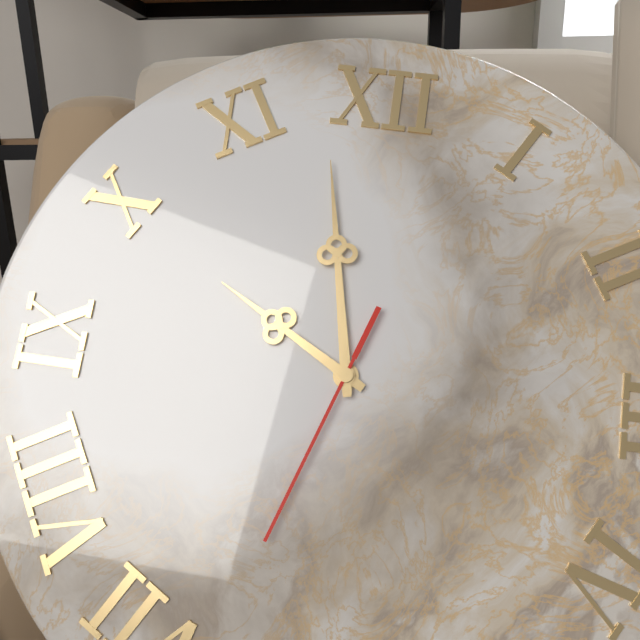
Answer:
h=9 m=58 s=33
